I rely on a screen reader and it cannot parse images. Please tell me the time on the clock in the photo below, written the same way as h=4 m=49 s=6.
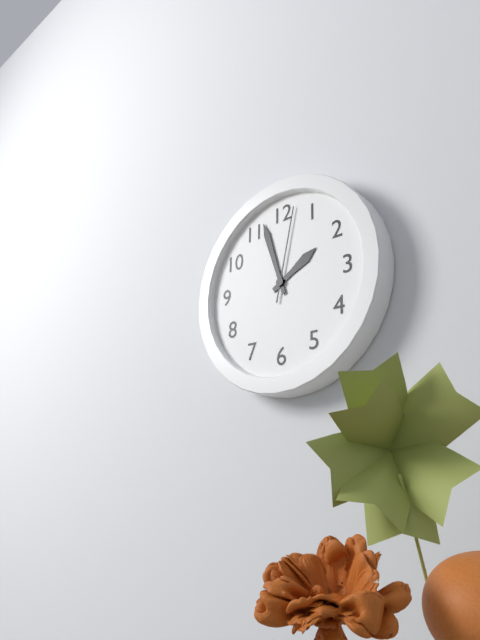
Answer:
h=1 m=57 s=2
